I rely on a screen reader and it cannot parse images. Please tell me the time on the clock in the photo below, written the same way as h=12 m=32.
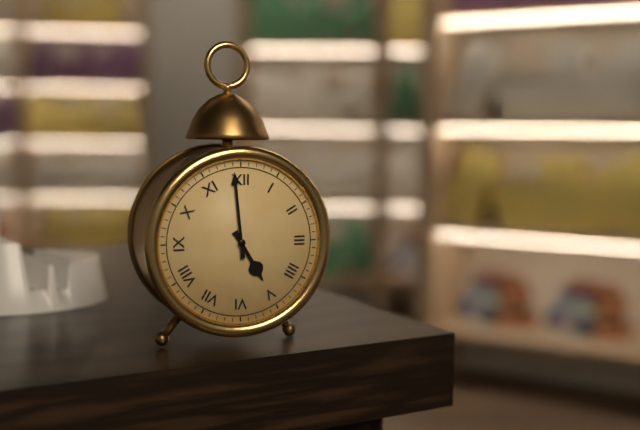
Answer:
h=4 m=59
